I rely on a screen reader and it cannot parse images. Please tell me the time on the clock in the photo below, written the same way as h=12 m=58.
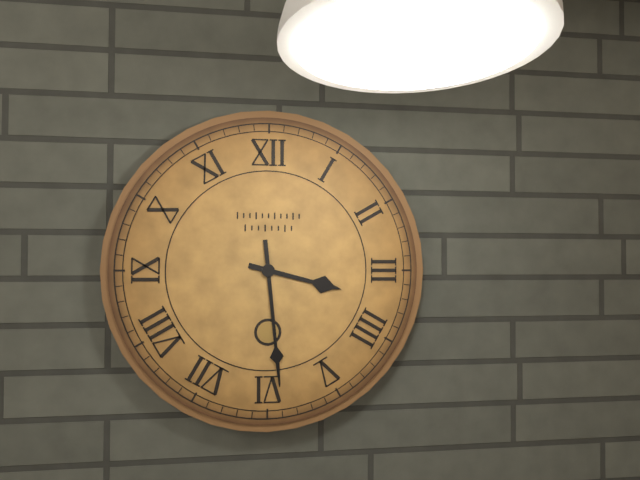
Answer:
h=3 m=29
